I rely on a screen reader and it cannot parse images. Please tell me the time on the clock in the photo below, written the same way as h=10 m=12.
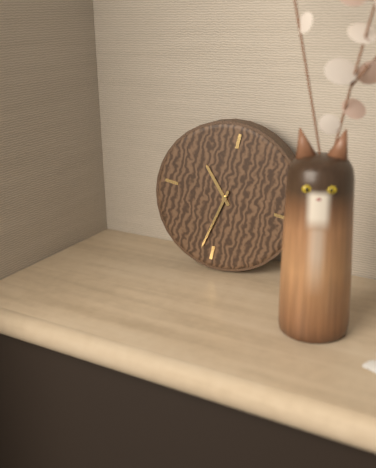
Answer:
h=10 m=32
